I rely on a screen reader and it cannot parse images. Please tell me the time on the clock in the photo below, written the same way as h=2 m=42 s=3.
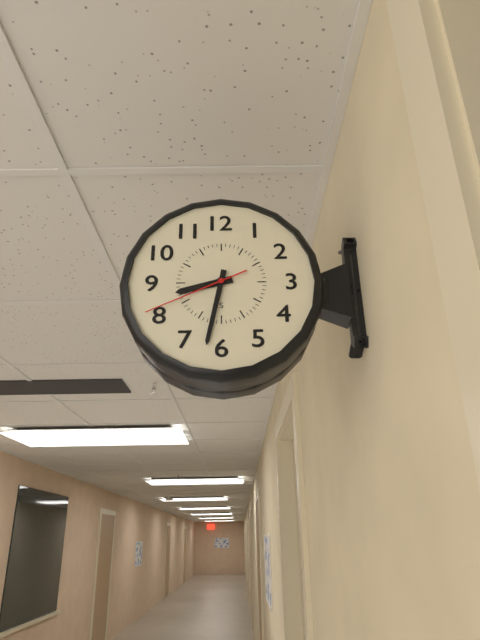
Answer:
h=8 m=32 s=41
